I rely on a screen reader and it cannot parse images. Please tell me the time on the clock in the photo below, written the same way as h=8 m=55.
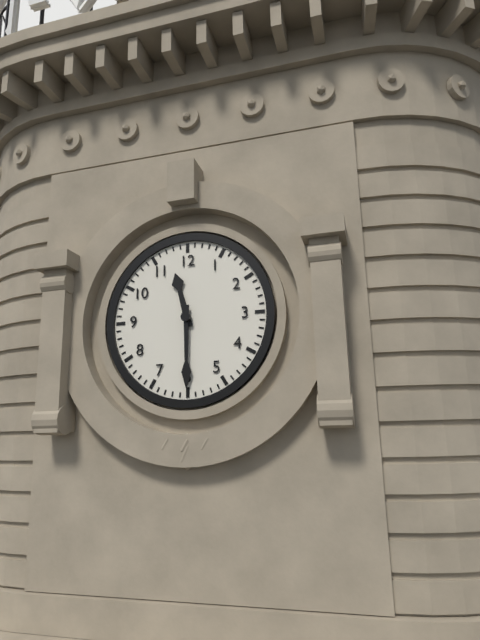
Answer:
h=11 m=30
